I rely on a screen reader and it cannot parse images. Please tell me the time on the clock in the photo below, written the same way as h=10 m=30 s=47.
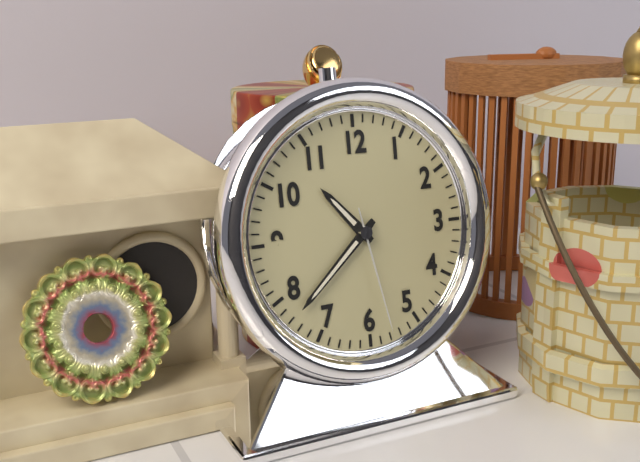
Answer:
h=10 m=38 s=28
